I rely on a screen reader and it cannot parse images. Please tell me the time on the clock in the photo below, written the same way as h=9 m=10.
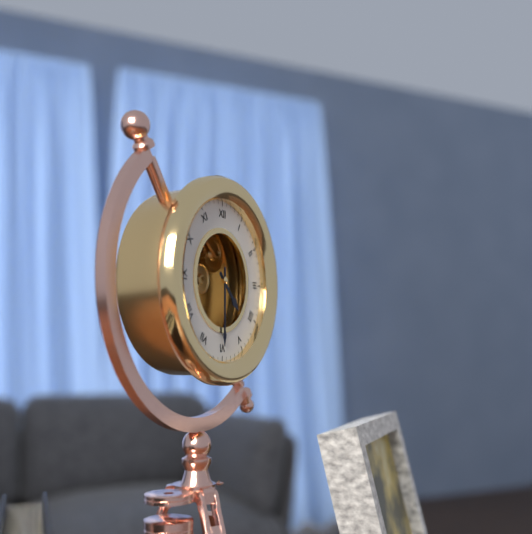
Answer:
h=4 m=30
